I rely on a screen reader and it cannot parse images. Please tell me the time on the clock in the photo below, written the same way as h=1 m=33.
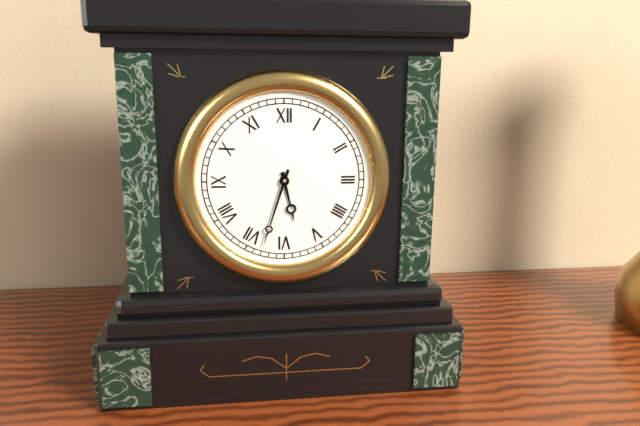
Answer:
h=5 m=33
